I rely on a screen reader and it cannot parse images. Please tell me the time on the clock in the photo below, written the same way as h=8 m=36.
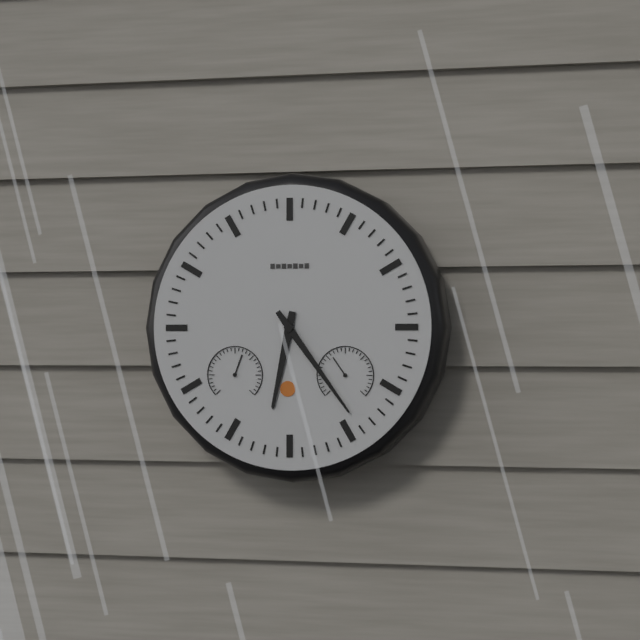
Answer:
h=6 m=24
